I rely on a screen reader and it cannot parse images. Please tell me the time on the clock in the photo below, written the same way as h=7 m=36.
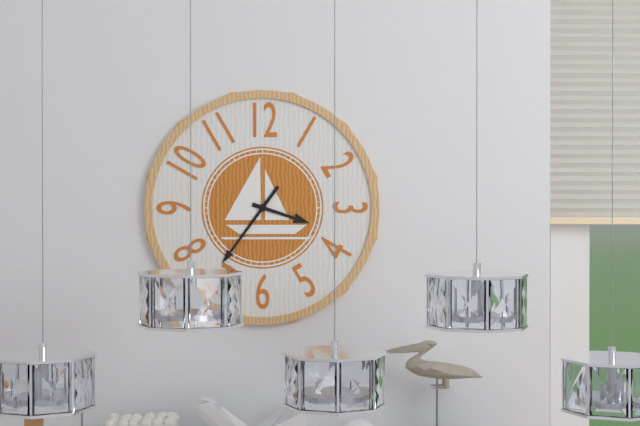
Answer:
h=3 m=36
